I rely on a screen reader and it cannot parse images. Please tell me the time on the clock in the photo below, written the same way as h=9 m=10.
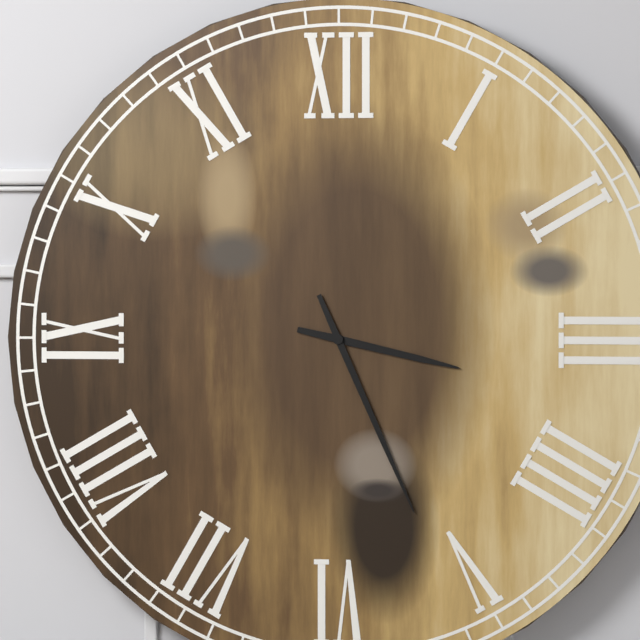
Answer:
h=3 m=26
